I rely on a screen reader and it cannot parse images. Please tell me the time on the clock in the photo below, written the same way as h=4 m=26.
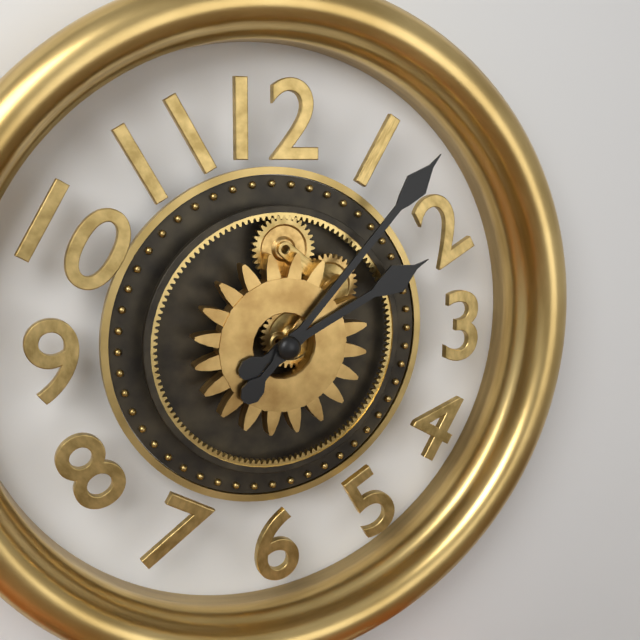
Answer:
h=2 m=7
